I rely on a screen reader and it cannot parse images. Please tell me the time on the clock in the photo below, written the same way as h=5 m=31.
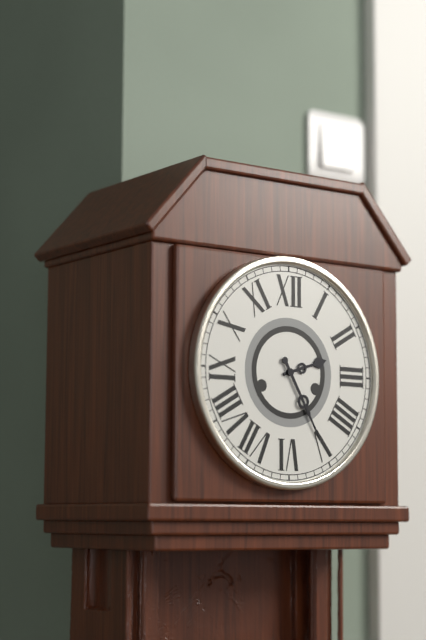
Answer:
h=2 m=25
